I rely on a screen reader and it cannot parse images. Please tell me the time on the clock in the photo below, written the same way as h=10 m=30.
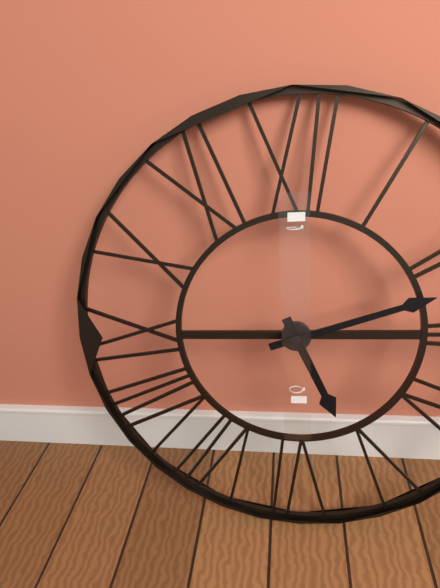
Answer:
h=5 m=12
